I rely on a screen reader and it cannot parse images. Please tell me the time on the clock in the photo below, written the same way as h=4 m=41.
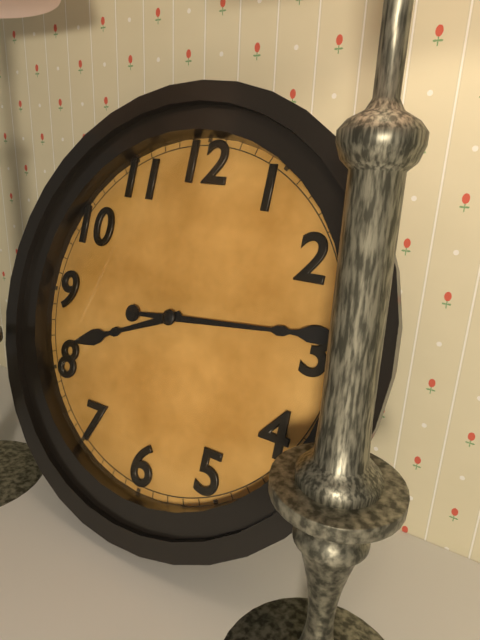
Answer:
h=8 m=14
